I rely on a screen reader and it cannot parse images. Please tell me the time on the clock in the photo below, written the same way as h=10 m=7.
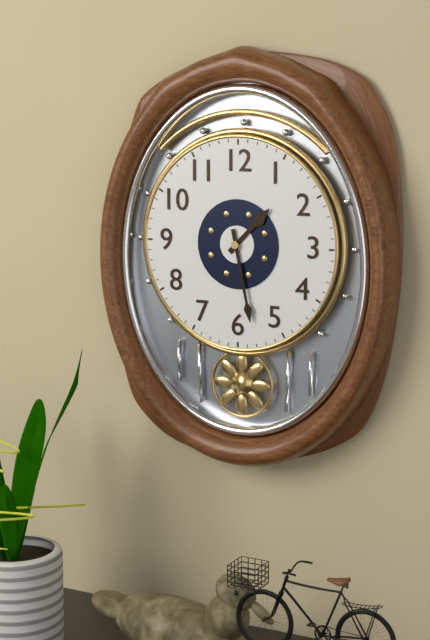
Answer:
h=1 m=28
